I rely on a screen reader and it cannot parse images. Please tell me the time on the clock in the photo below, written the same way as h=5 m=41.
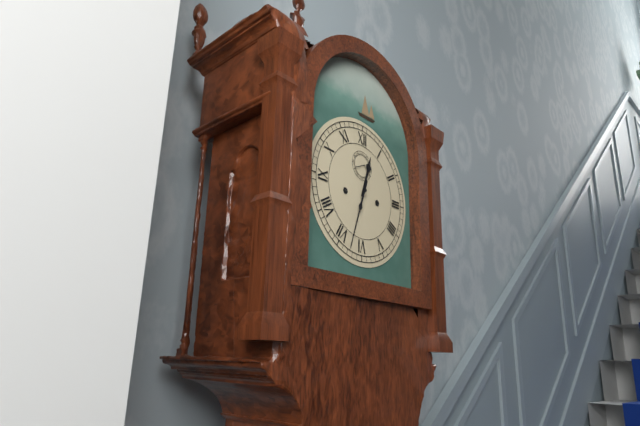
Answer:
h=12 m=33
